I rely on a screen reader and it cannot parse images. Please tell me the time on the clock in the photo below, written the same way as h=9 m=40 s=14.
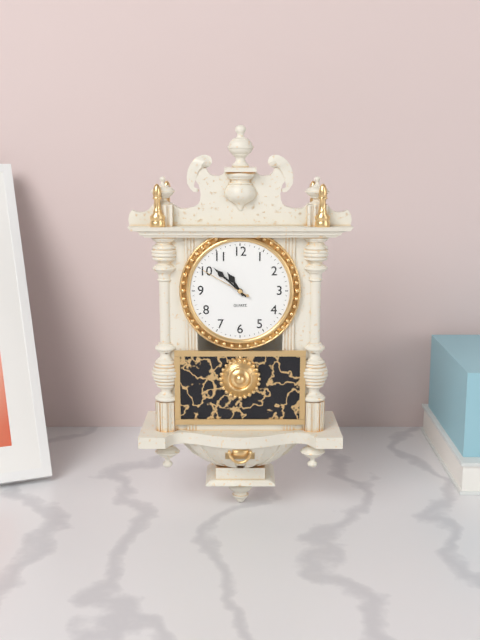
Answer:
h=10 m=52 s=50
